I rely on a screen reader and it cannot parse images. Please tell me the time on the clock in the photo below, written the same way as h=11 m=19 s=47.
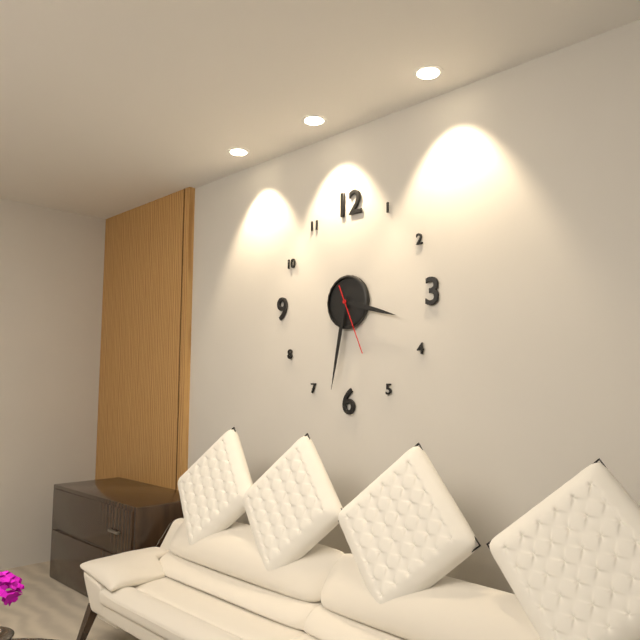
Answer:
h=3 m=32 s=26
